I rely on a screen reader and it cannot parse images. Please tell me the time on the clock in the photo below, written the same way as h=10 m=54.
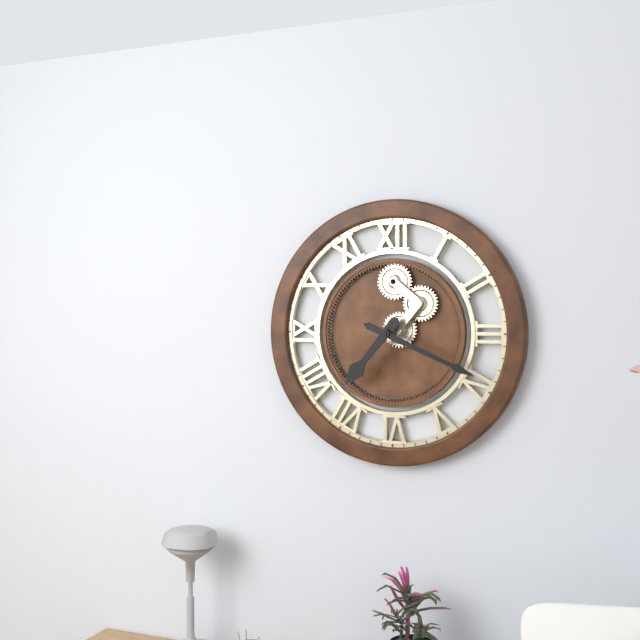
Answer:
h=7 m=19
